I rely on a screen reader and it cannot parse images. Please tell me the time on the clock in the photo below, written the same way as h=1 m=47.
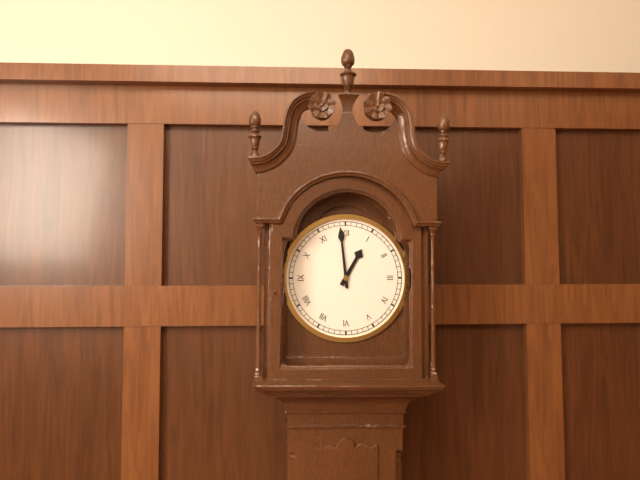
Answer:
h=12 m=59
